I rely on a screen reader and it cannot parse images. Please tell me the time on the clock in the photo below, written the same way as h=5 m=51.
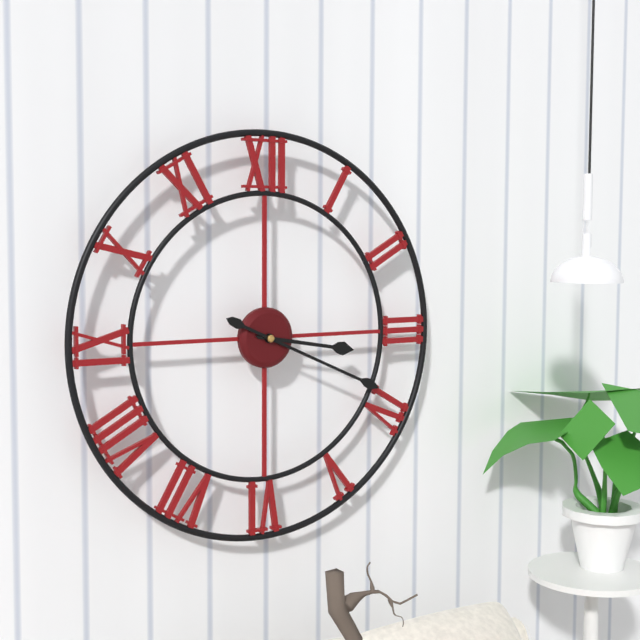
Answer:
h=3 m=19
